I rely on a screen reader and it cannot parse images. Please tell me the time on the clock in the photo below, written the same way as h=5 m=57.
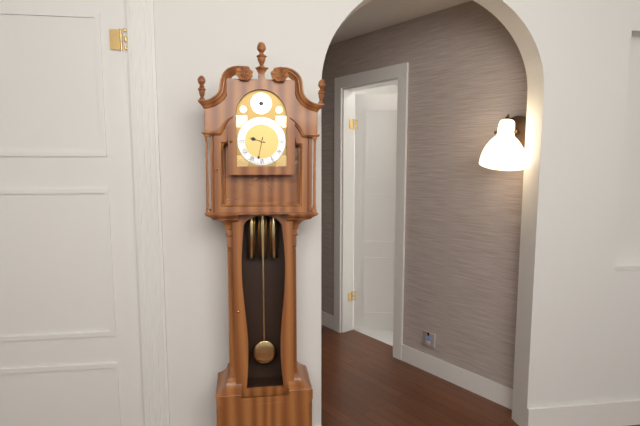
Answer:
h=9 m=32
